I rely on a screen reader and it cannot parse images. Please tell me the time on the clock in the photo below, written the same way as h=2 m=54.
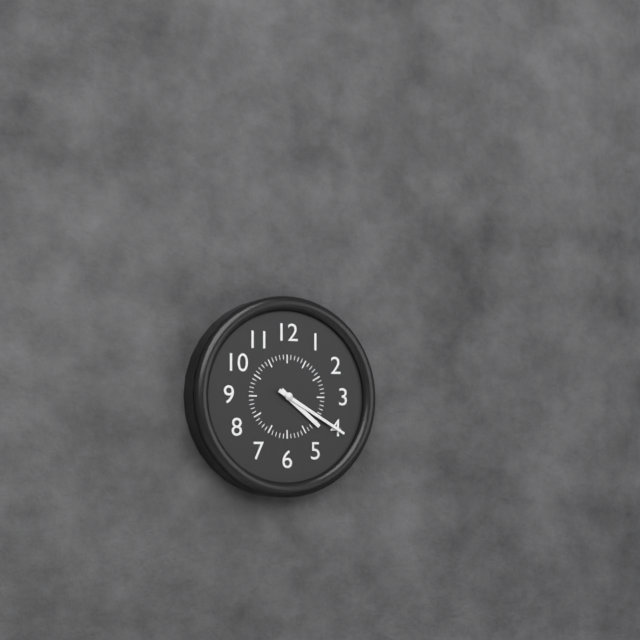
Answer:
h=4 m=20
